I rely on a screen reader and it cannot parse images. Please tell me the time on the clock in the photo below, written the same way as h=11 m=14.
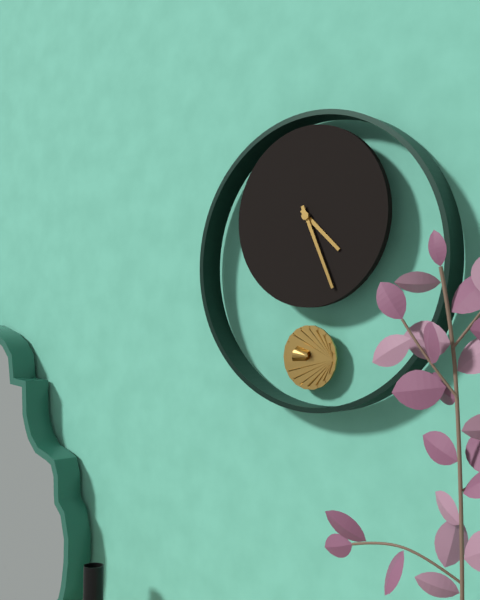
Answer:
h=4 m=26
